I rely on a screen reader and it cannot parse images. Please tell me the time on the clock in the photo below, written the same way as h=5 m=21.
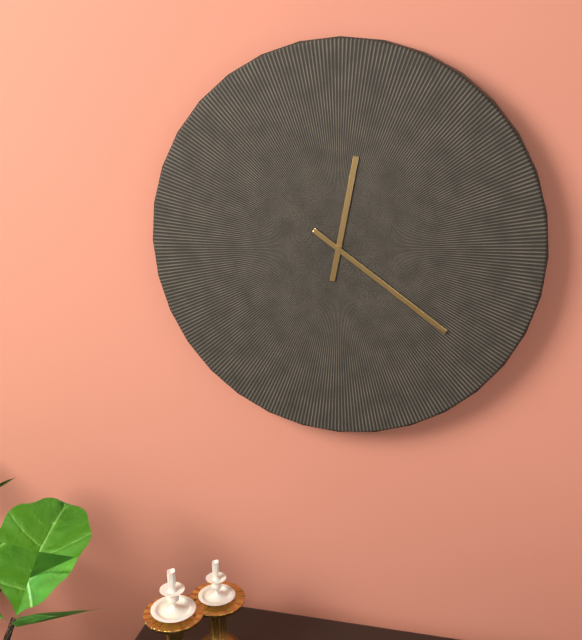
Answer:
h=12 m=21
